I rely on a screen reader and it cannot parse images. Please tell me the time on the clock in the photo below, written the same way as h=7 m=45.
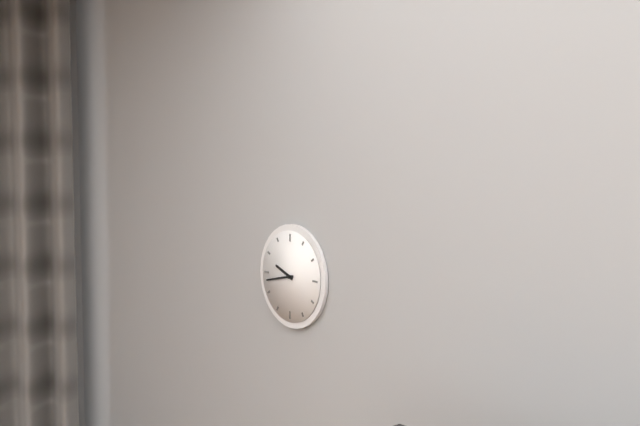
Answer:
h=9 m=43
